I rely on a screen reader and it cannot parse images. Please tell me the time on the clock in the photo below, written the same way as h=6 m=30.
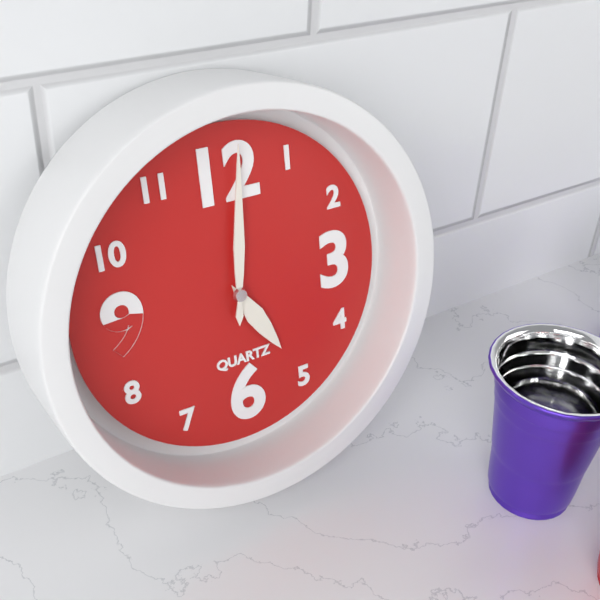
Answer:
h=5 m=1
